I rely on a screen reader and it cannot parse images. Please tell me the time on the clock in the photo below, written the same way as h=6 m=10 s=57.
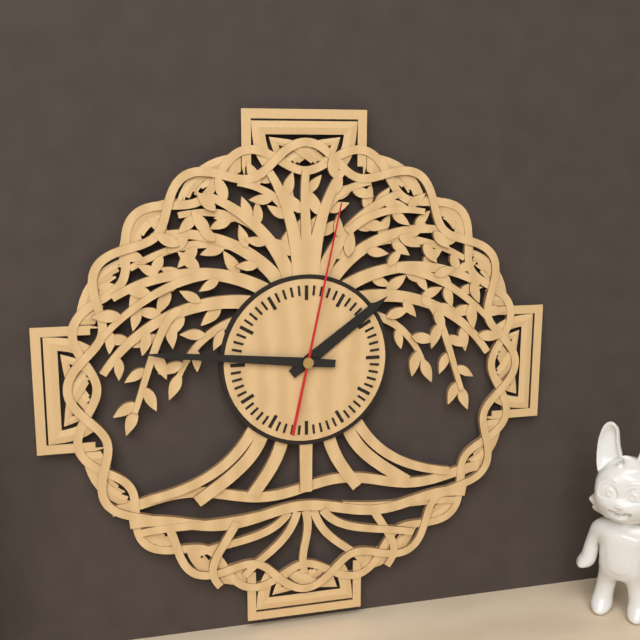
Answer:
h=1 m=46 s=2
